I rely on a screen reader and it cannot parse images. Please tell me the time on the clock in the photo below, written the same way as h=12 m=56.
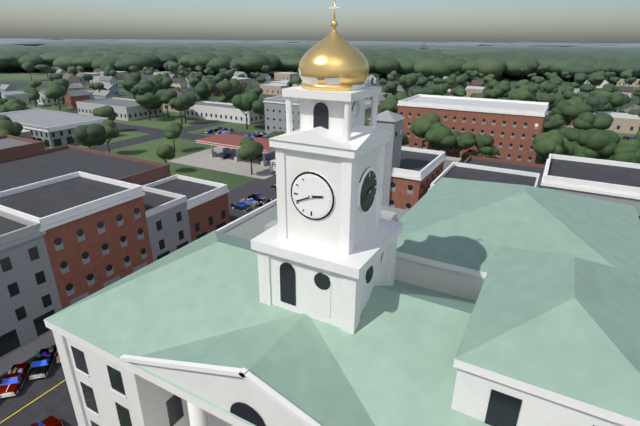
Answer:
h=2 m=41
